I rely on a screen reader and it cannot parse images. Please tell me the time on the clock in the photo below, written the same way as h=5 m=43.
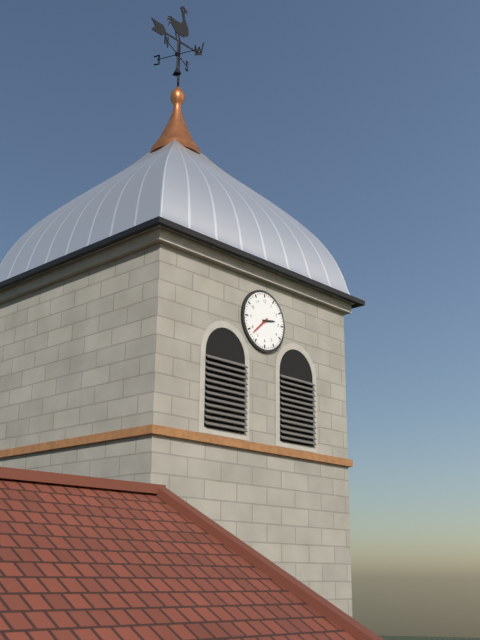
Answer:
h=2 m=38
